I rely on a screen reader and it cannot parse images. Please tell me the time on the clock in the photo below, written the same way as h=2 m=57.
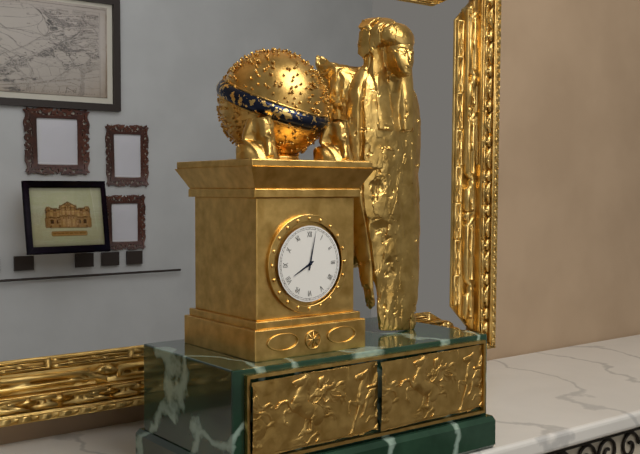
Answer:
h=8 m=2
